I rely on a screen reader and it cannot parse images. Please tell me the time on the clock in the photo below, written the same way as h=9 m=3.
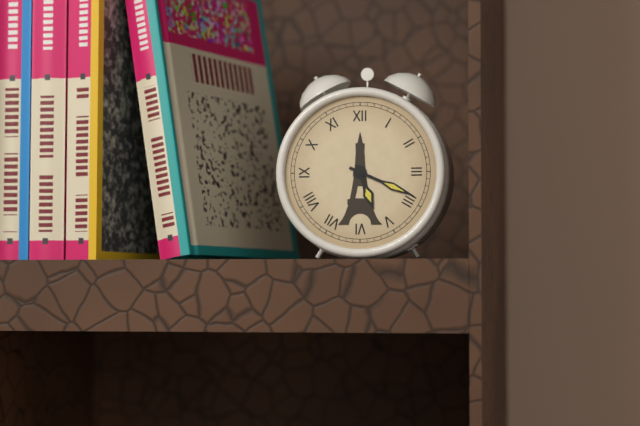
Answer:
h=5 m=19
